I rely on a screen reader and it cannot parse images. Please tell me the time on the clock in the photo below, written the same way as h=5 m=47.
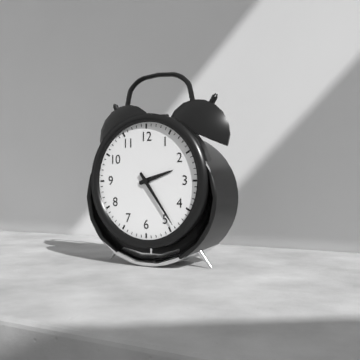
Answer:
h=2 m=24
